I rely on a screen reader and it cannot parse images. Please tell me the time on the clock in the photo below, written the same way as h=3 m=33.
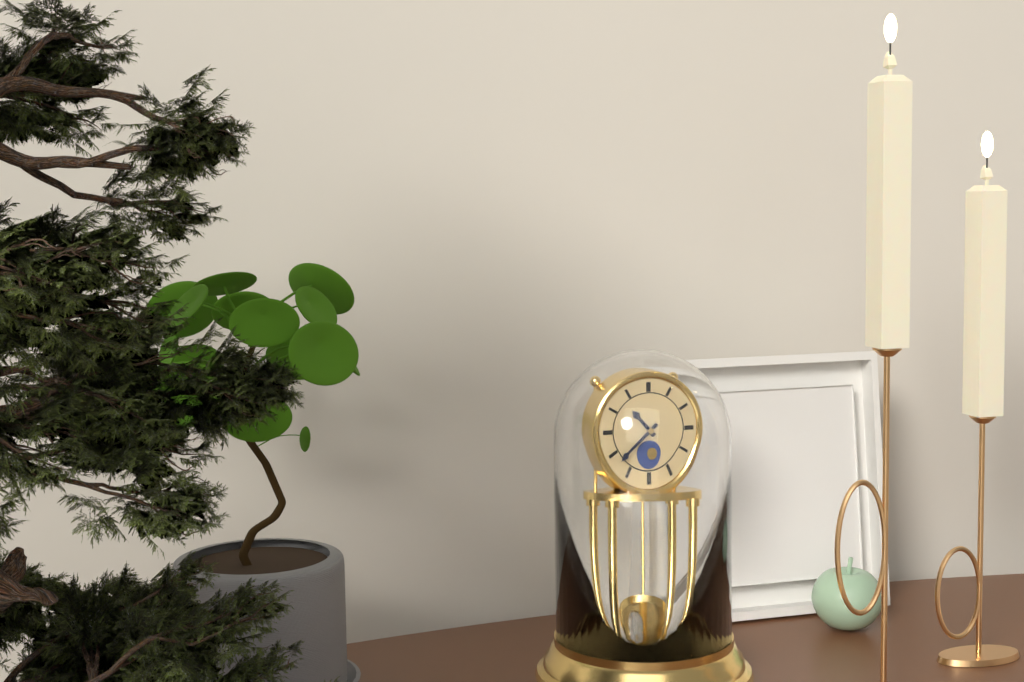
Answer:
h=10 m=38
